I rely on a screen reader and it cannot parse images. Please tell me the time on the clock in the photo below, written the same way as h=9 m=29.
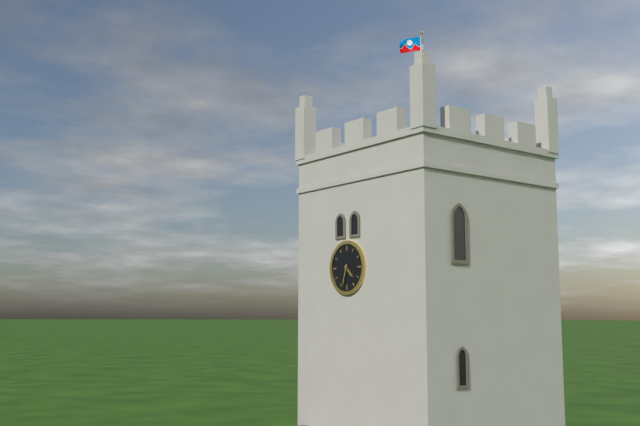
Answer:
h=4 m=33
